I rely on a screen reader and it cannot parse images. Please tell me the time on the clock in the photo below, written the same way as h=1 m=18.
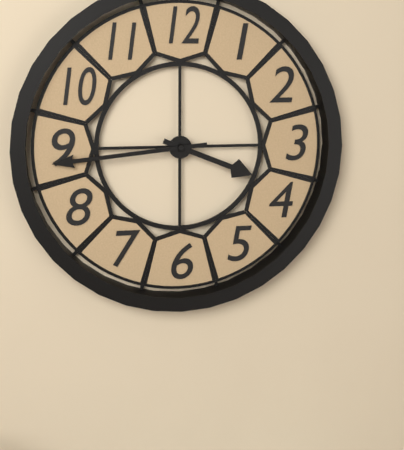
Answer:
h=3 m=44
